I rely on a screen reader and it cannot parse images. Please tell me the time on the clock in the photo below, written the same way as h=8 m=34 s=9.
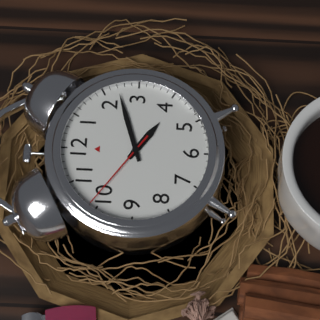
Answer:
h=4 m=12 s=51
